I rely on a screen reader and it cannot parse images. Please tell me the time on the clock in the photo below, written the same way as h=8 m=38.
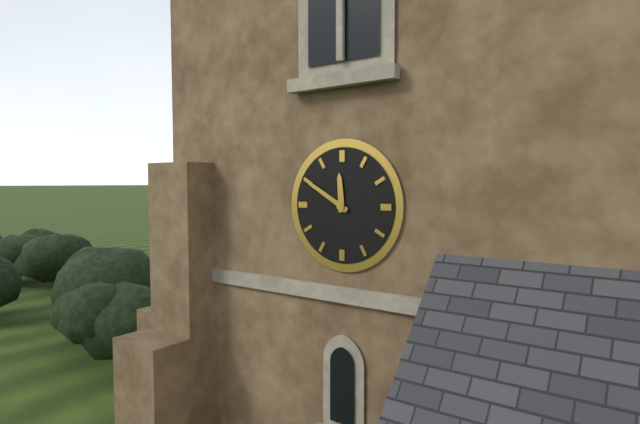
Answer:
h=11 m=50
